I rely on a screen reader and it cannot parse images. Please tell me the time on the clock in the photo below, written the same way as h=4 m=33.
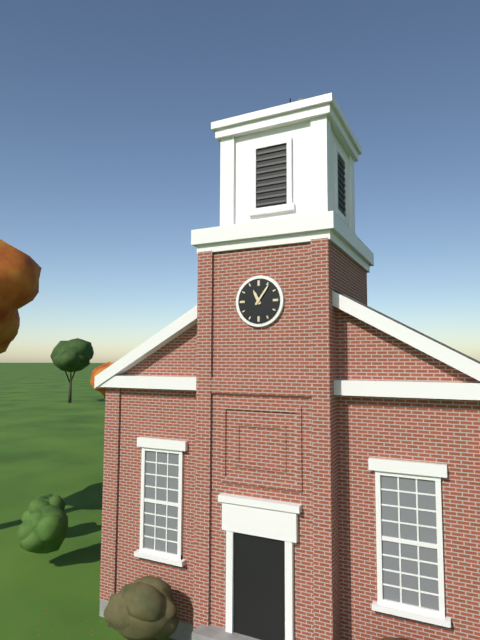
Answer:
h=11 m=6
